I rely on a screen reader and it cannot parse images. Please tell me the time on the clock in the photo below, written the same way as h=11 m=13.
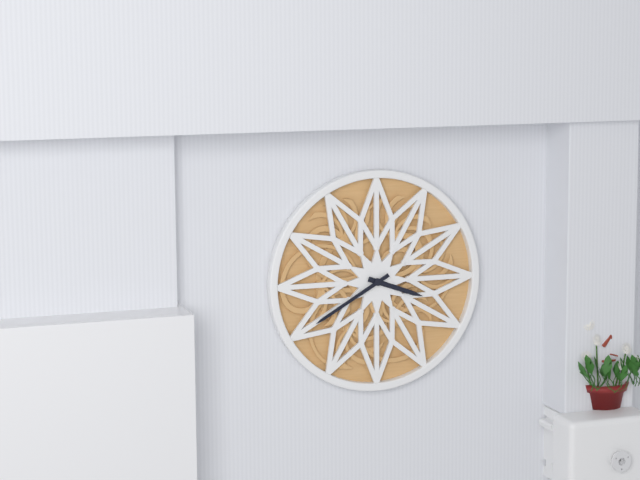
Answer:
h=3 m=40
